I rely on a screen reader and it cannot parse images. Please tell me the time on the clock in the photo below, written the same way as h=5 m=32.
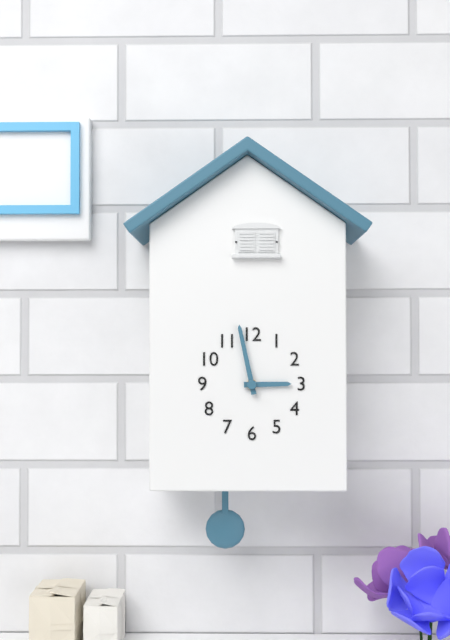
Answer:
h=2 m=58
